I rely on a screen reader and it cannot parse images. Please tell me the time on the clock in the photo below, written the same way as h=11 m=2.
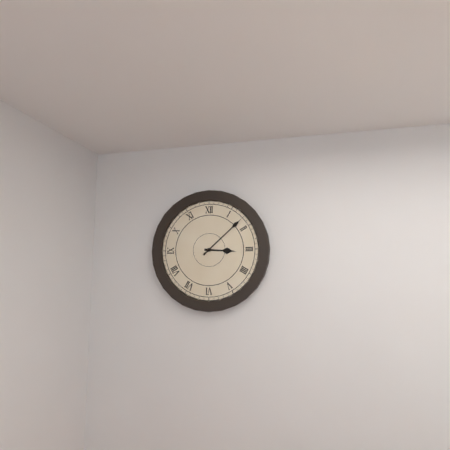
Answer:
h=3 m=8
